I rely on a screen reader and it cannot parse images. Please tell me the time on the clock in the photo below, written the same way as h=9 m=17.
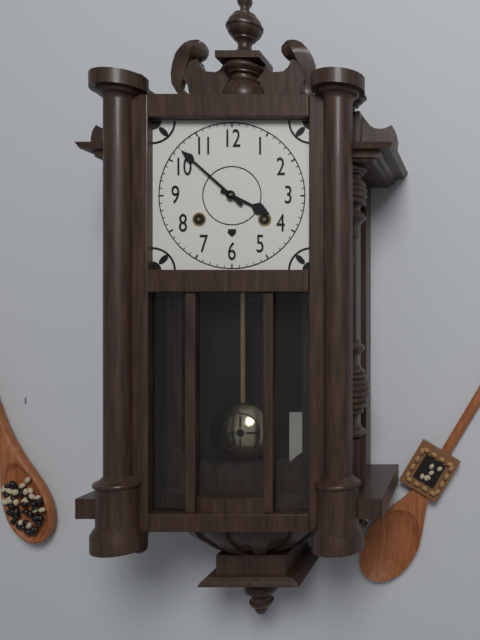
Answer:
h=3 m=52
